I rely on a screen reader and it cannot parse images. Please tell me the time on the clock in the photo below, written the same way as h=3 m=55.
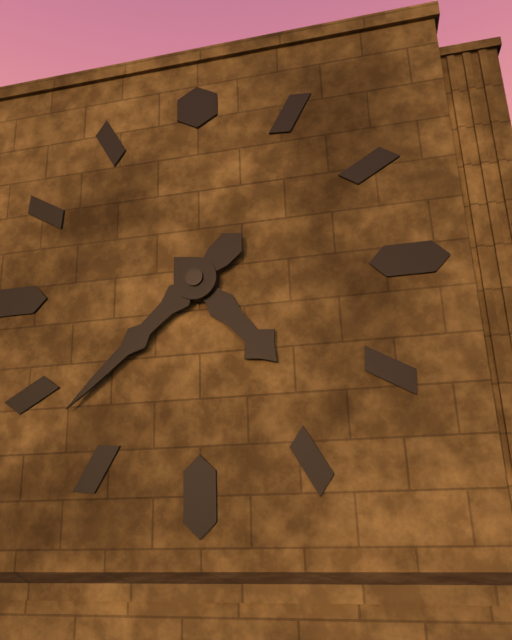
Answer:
h=4 m=38
